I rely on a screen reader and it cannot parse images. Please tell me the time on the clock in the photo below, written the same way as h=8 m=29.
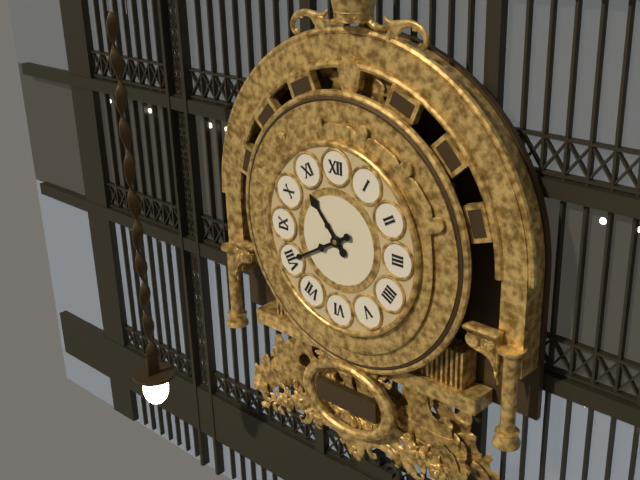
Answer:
h=10 m=40
